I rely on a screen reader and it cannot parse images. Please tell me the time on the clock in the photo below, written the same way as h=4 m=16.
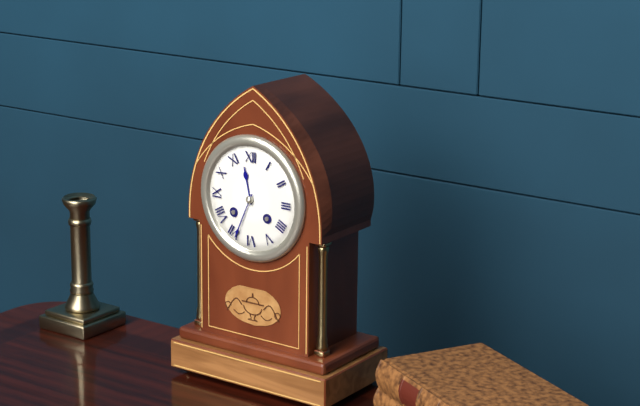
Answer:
h=11 m=34
